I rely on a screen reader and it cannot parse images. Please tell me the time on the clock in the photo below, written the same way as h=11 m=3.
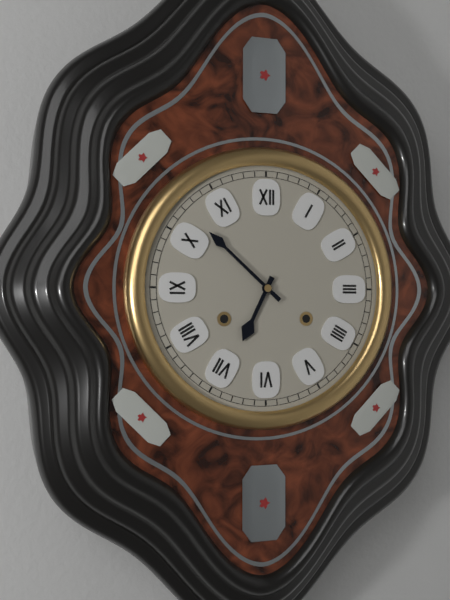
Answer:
h=6 m=52
